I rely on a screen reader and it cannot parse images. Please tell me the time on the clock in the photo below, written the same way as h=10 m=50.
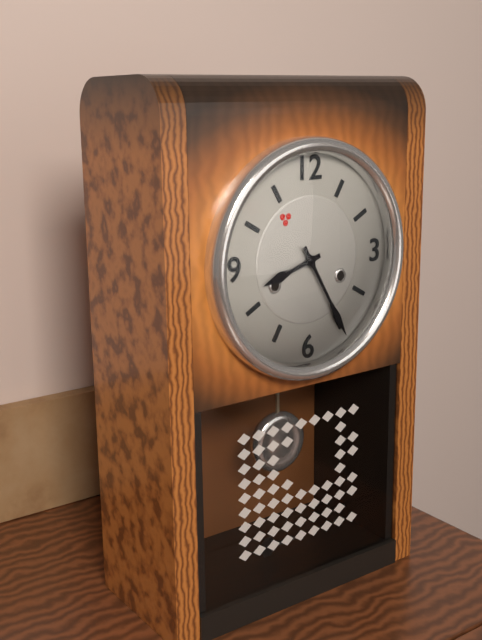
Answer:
h=8 m=25
